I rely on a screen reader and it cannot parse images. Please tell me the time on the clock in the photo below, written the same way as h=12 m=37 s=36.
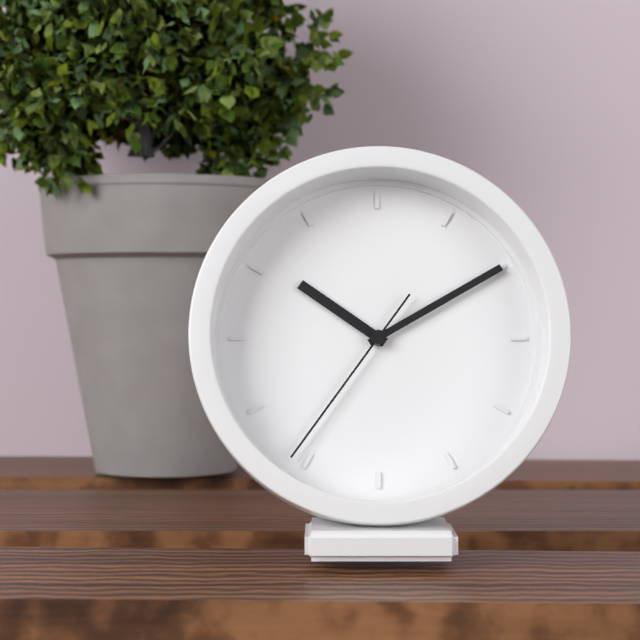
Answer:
h=10 m=10 s=36
